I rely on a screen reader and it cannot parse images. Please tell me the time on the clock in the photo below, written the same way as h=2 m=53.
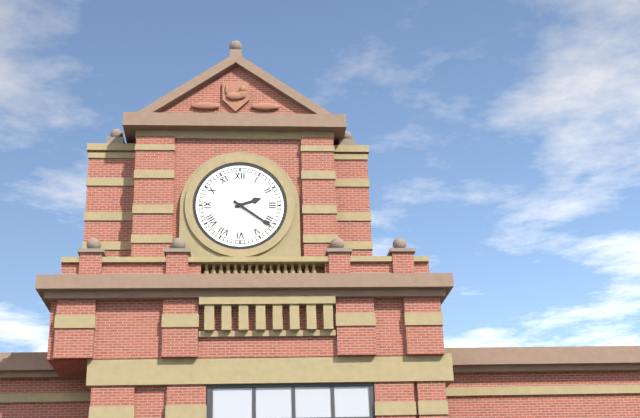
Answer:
h=2 m=21
